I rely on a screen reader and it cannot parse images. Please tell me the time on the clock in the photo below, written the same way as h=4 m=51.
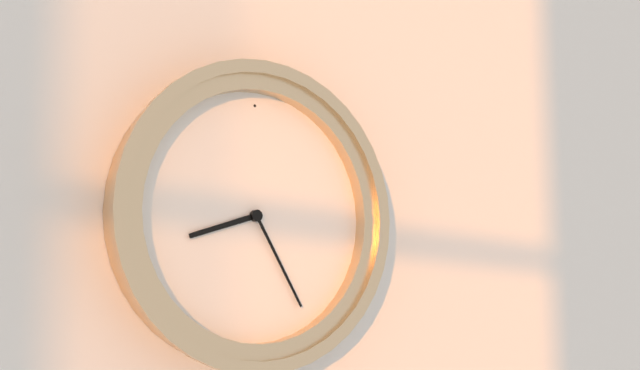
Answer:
h=8 m=25
